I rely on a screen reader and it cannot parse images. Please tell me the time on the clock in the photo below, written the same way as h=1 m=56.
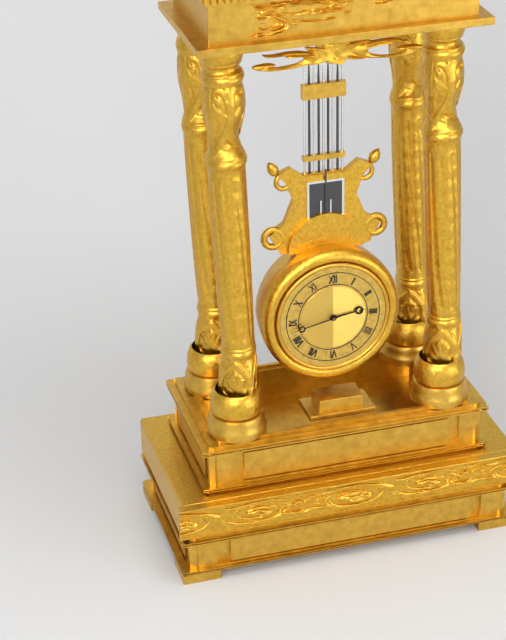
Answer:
h=2 m=43
